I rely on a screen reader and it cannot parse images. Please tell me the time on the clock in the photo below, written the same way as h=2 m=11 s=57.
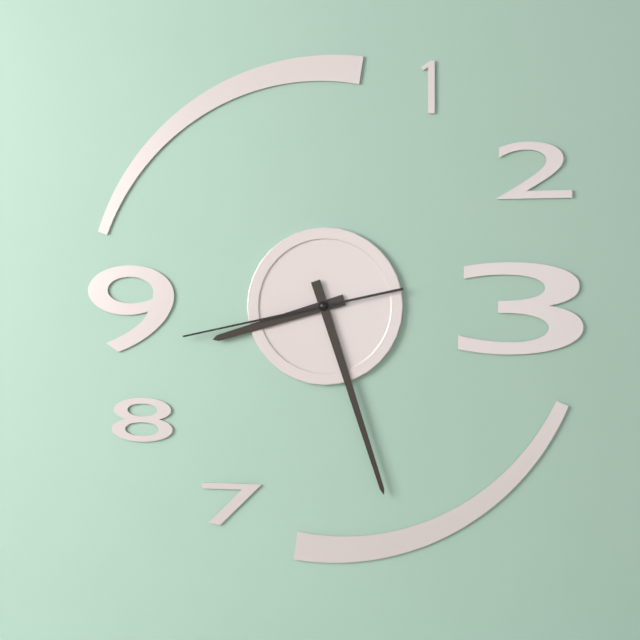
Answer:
h=8 m=27 s=43
